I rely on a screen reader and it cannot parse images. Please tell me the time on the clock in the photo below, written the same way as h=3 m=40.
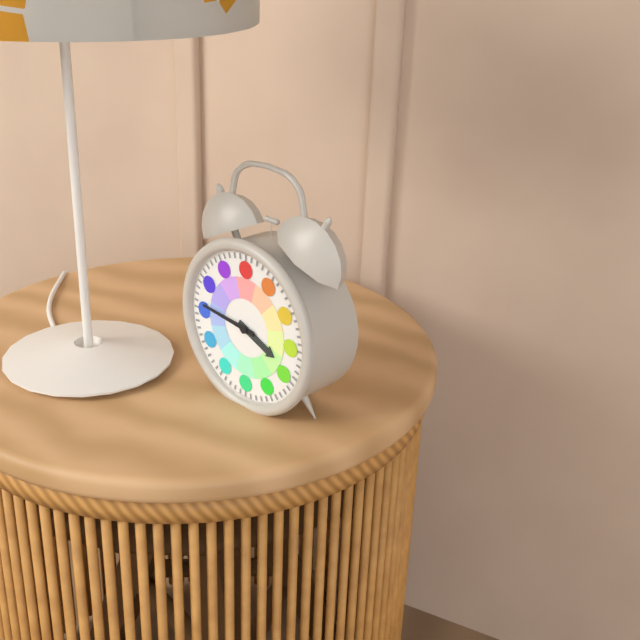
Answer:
h=3 m=46
